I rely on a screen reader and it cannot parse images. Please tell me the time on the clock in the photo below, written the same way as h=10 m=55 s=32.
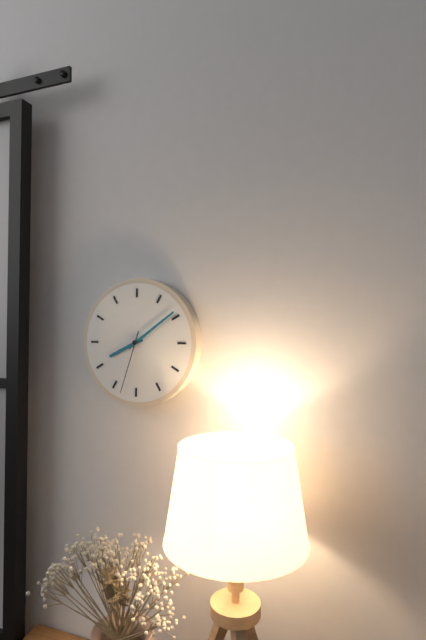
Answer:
h=8 m=9 s=33
